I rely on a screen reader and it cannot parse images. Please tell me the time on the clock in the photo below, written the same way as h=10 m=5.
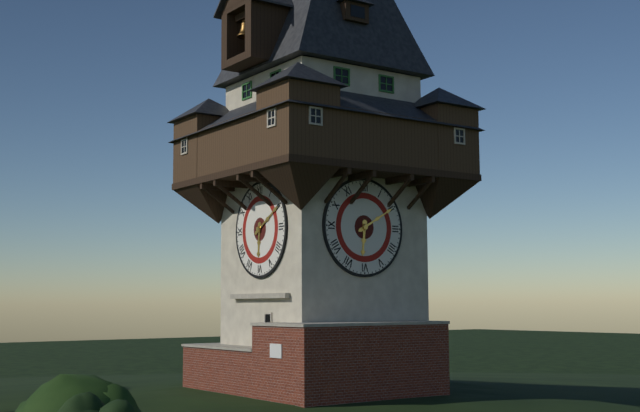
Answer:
h=6 m=10
